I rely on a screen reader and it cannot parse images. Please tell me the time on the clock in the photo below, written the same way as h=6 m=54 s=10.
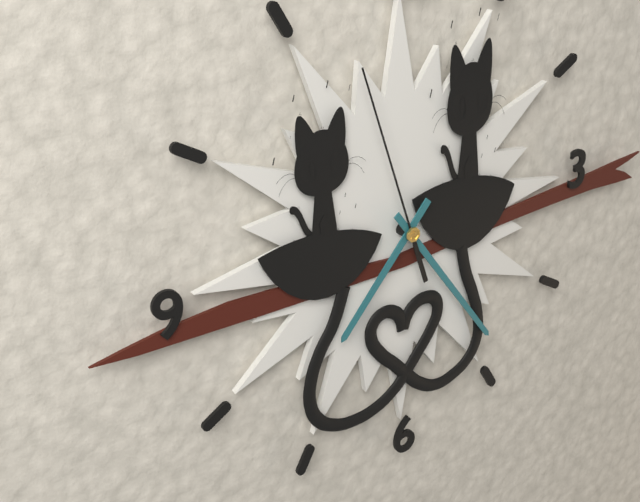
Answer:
h=7 m=24 s=57
